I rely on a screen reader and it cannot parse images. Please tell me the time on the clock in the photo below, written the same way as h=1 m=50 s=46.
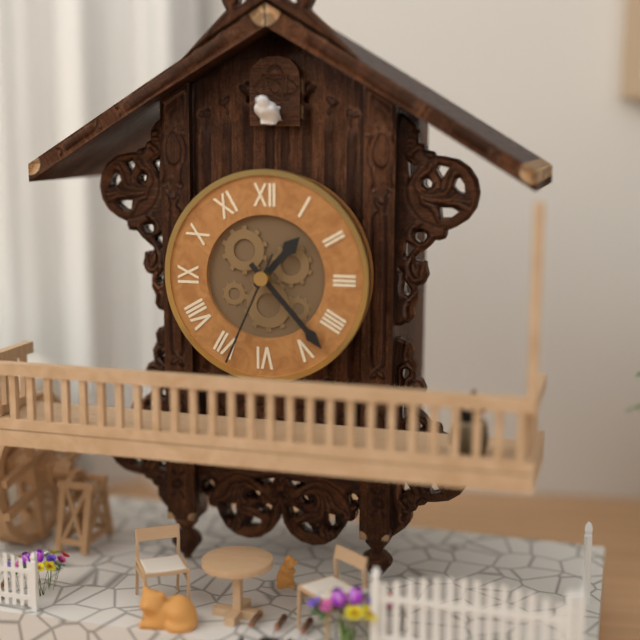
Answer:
h=1 m=23 s=34
